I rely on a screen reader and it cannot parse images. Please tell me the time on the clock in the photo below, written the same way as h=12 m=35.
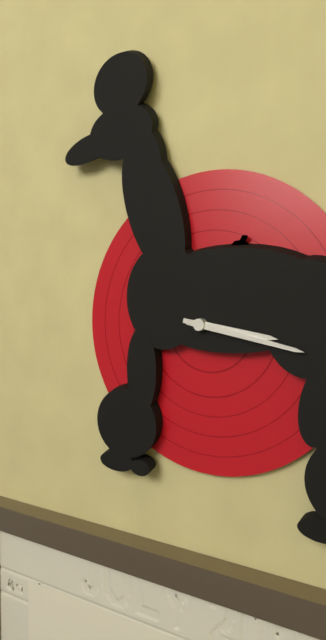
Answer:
h=3 m=17
